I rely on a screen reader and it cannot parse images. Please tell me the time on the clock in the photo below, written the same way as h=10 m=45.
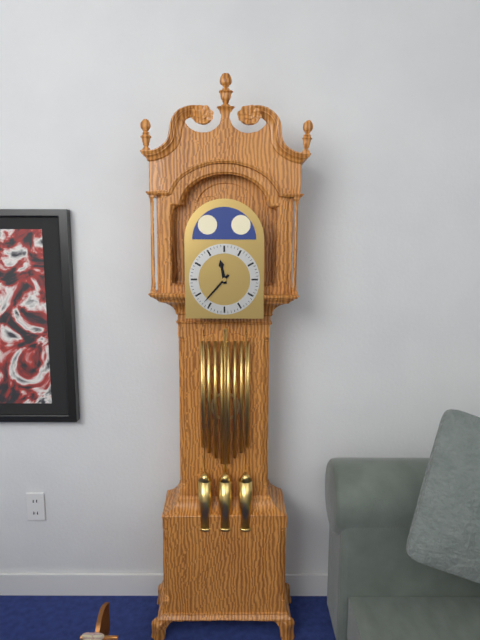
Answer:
h=11 m=37
